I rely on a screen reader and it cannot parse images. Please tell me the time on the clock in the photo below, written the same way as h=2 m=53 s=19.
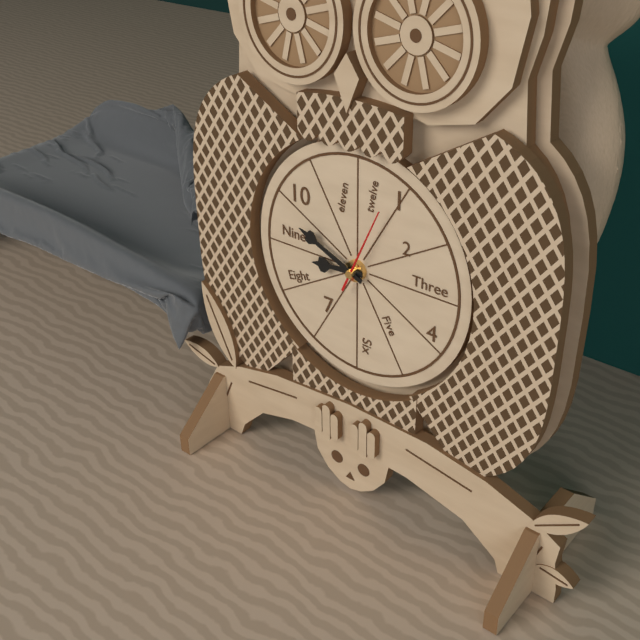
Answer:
h=8 m=49 s=4
